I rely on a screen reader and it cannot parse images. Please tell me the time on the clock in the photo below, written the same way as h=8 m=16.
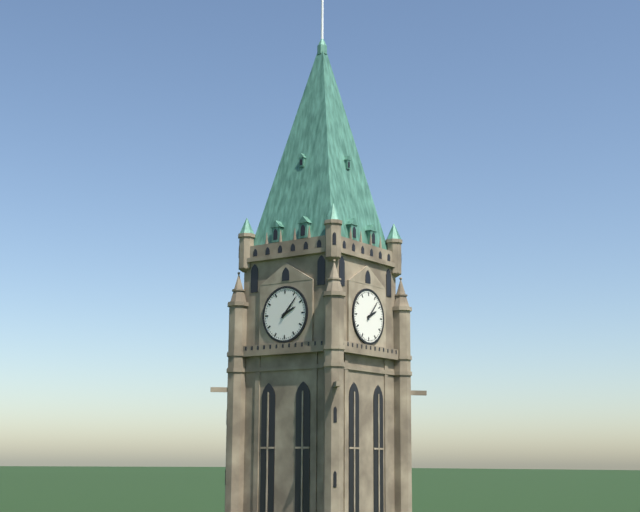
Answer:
h=2 m=7
